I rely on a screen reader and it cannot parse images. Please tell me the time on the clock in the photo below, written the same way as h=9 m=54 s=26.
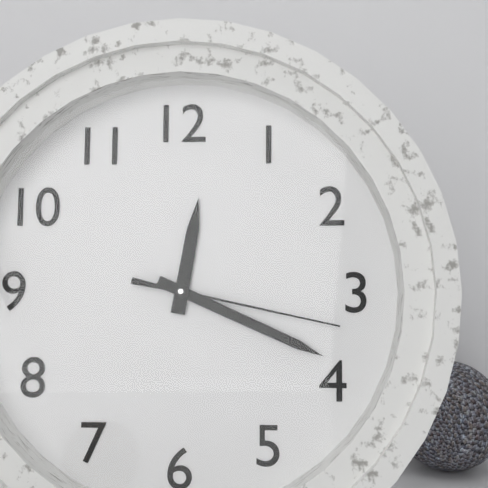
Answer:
h=12 m=19 s=17
